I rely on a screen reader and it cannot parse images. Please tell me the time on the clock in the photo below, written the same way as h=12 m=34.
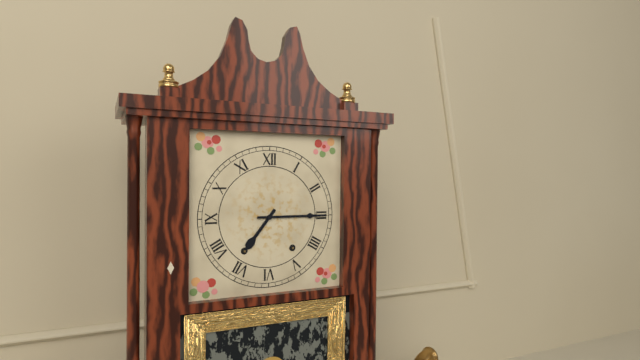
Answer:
h=7 m=15
